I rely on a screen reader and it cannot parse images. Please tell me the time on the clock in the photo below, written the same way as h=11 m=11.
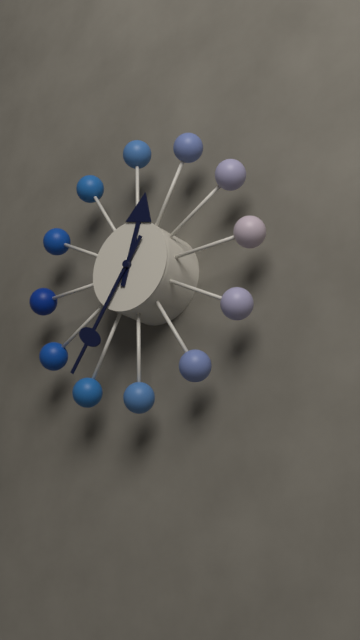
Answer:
h=12 m=36
